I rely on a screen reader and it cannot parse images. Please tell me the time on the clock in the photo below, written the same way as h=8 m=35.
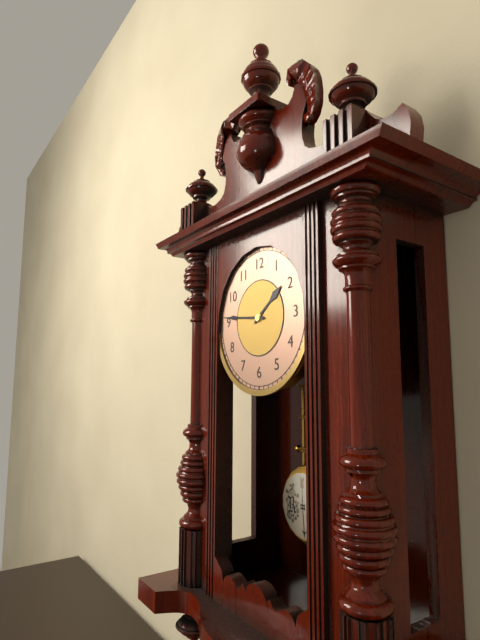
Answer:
h=1 m=46
